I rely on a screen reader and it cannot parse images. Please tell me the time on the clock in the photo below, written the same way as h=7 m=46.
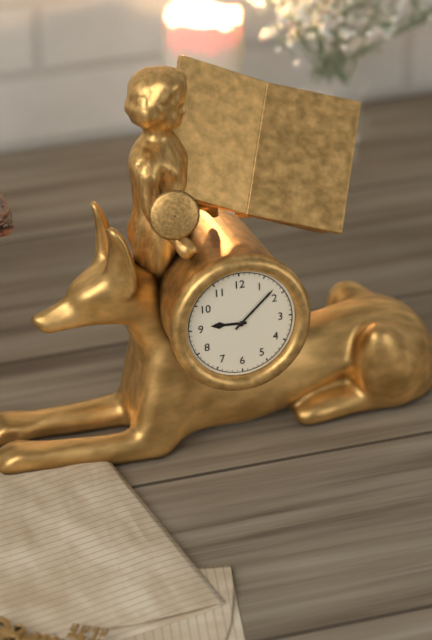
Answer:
h=9 m=8
